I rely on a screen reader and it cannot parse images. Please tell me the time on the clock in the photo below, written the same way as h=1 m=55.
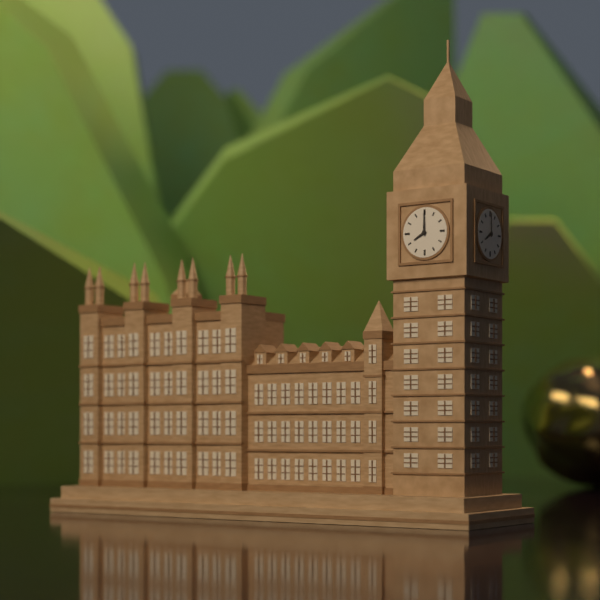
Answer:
h=8 m=0
